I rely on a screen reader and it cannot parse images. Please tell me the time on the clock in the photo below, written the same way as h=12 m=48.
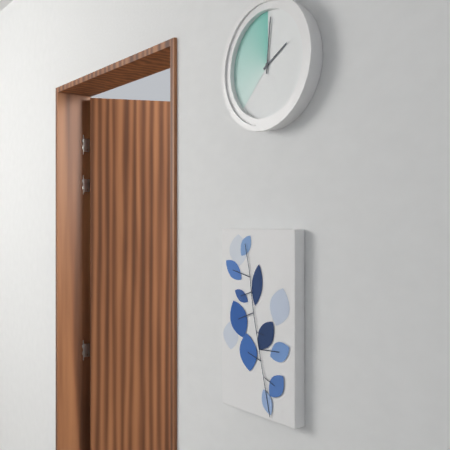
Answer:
h=2 m=1
